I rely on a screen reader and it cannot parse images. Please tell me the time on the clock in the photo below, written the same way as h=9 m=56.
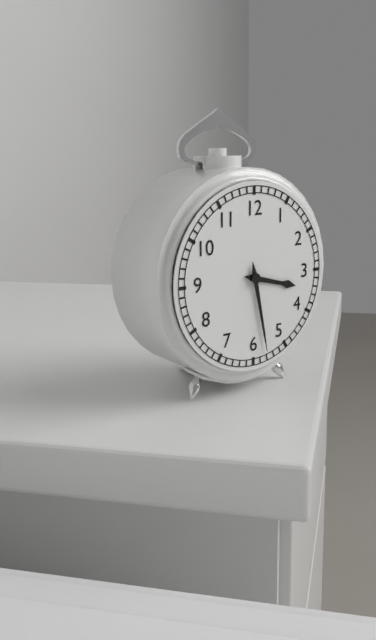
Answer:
h=3 m=28
